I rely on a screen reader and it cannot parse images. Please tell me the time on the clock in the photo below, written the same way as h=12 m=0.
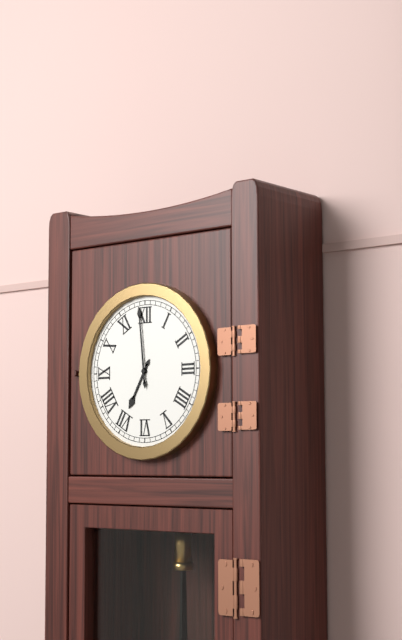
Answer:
h=6 m=59
